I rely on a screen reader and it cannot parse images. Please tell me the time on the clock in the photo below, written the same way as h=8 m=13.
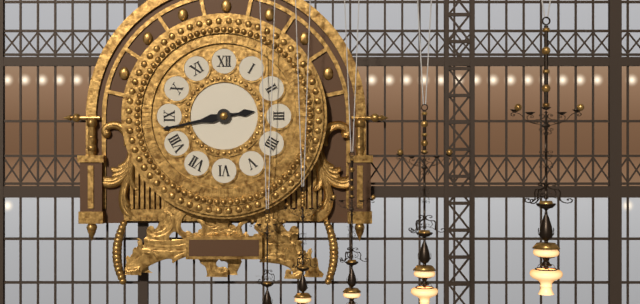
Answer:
h=2 m=43
